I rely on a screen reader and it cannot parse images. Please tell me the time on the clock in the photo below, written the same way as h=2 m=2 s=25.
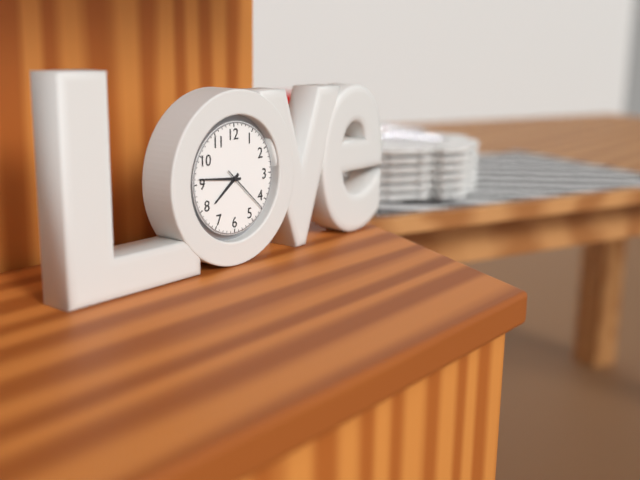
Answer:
h=7 m=46 s=22
